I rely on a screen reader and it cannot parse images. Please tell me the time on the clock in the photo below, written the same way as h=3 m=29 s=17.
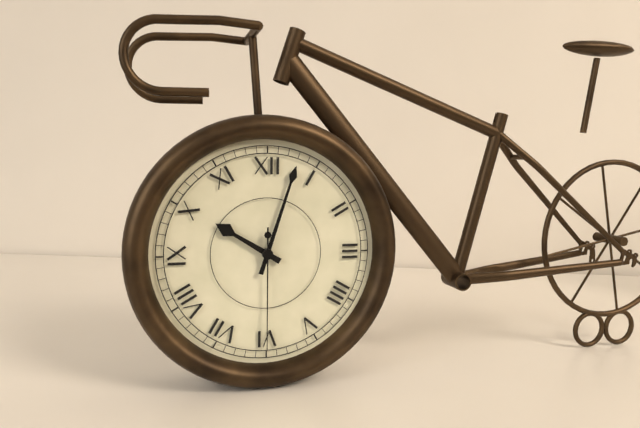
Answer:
h=10 m=3 s=30
